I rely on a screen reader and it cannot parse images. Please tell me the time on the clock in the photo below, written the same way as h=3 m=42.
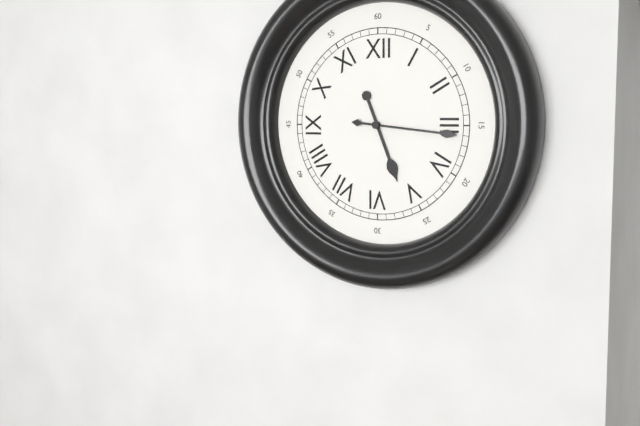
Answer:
h=5 m=16
